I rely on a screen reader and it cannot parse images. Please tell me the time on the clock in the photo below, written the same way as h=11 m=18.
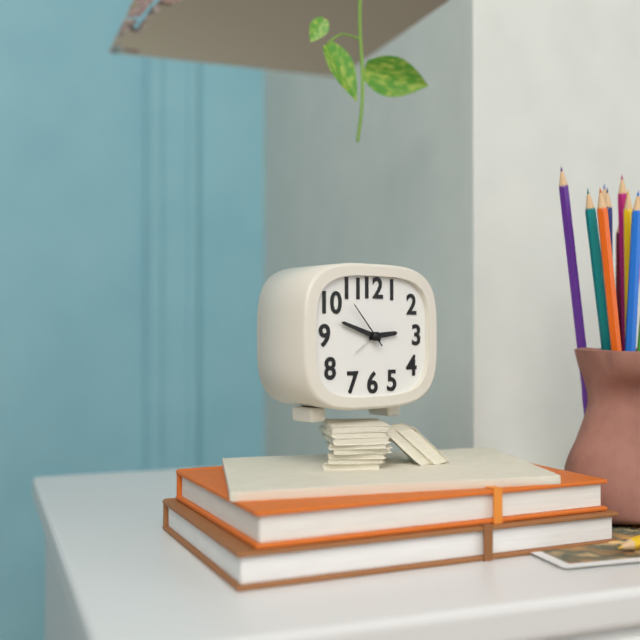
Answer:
h=2 m=48
